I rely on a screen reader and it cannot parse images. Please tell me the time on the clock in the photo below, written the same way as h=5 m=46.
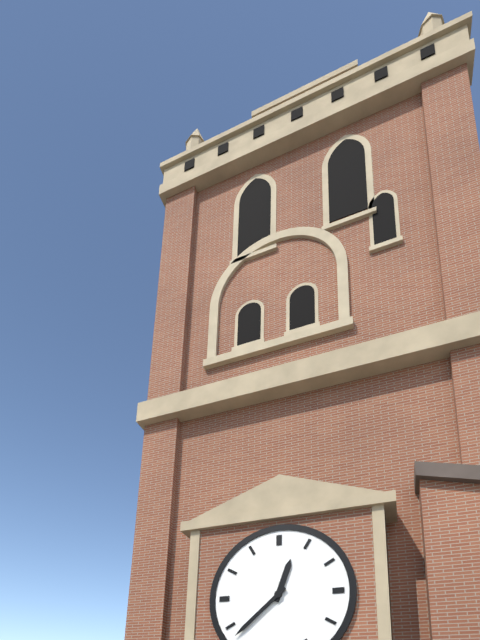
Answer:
h=12 m=38
